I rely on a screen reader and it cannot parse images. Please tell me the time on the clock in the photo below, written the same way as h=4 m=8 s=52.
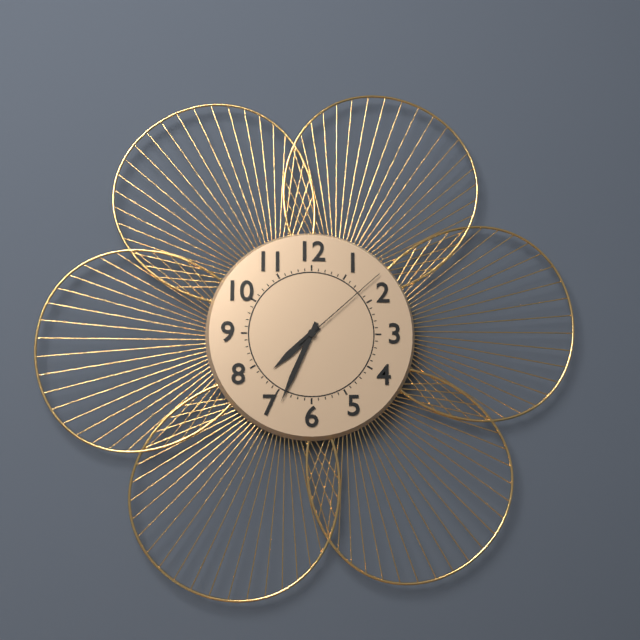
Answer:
h=7 m=34 s=8
